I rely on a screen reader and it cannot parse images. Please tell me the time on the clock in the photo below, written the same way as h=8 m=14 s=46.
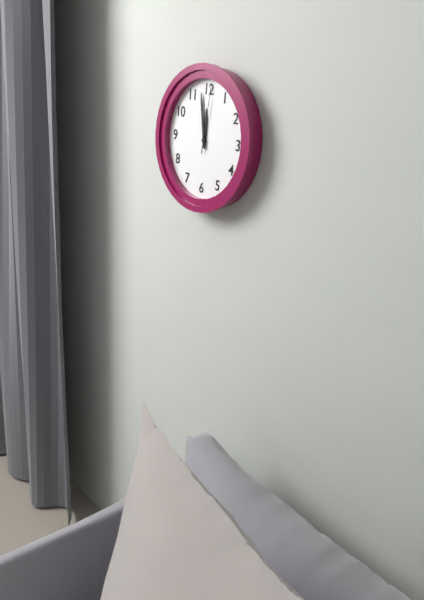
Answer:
h=11 m=58 s=1
